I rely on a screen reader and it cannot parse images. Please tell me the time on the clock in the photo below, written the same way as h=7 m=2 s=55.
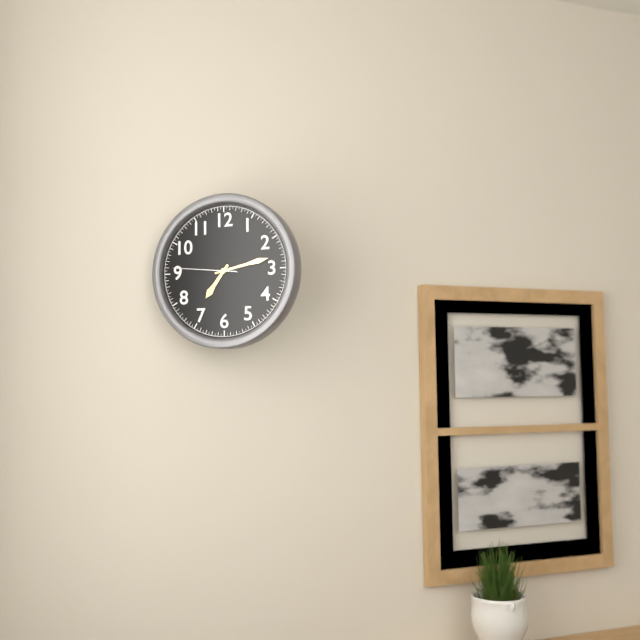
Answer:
h=7 m=13 s=46
